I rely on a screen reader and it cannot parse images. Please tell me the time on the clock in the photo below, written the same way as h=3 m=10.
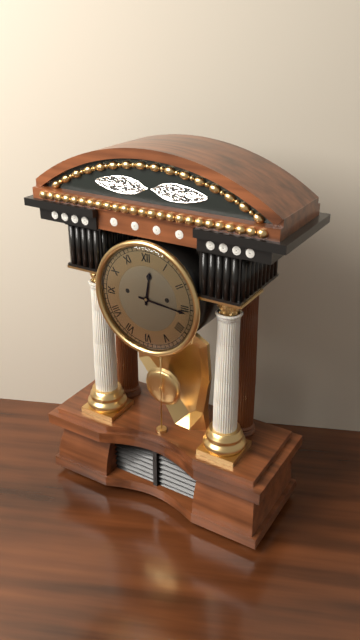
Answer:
h=12 m=16
